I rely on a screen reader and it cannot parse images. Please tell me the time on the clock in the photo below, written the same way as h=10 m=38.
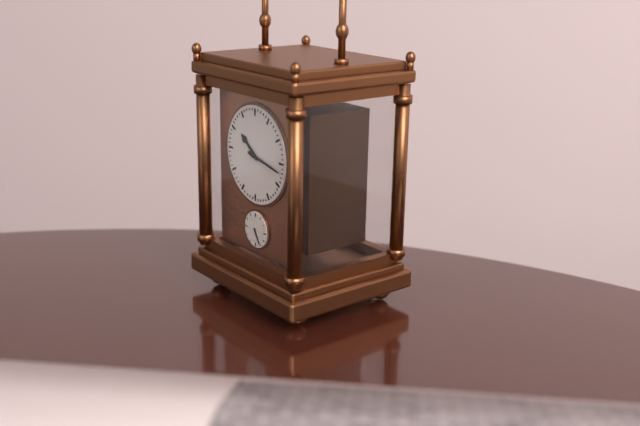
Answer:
h=10 m=17
